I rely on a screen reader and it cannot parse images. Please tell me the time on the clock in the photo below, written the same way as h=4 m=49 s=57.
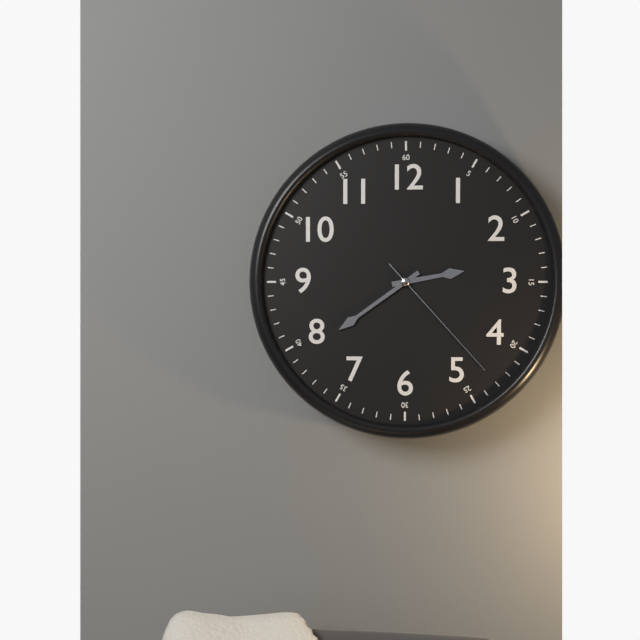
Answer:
h=2 m=39 s=23
